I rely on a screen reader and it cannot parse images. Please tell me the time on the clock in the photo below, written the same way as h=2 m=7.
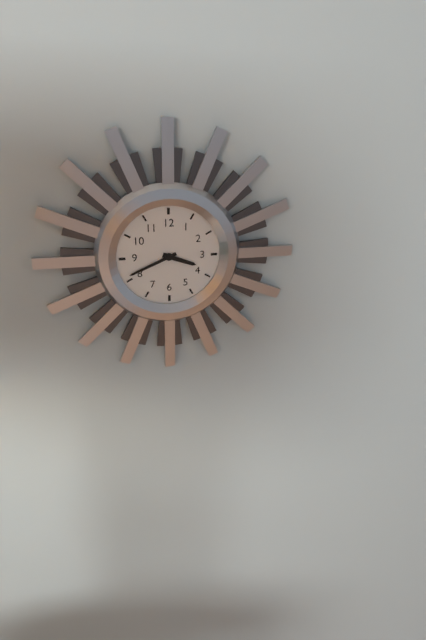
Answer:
h=3 m=41
